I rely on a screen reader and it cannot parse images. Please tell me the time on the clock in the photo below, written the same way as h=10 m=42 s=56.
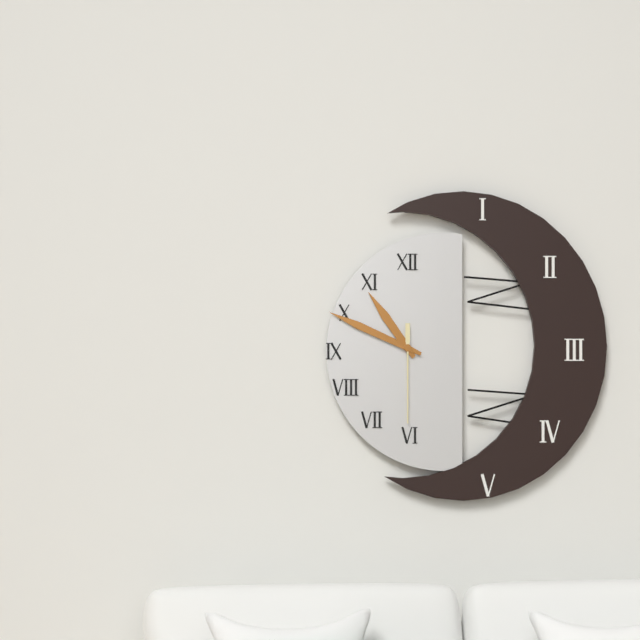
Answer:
h=10 m=49 s=30
